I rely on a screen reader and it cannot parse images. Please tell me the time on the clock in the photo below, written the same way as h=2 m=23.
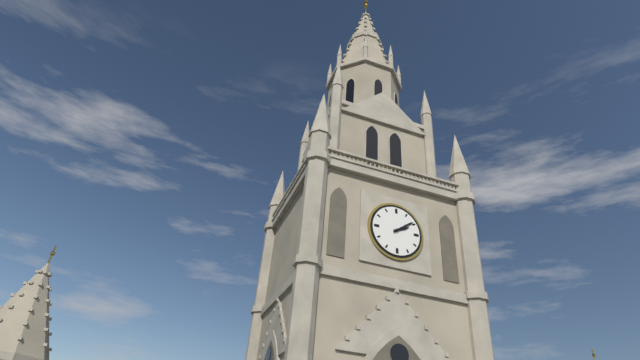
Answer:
h=2 m=9
